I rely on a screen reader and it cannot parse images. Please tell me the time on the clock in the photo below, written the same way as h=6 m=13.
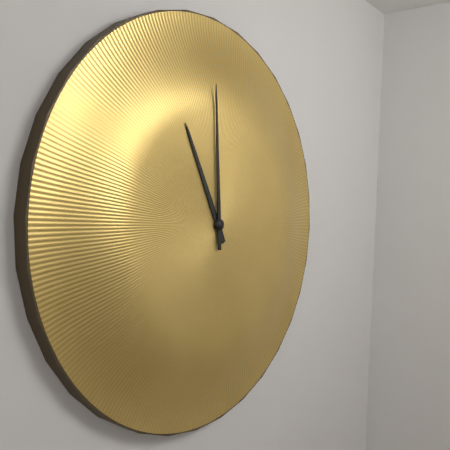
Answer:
h=10 m=59
